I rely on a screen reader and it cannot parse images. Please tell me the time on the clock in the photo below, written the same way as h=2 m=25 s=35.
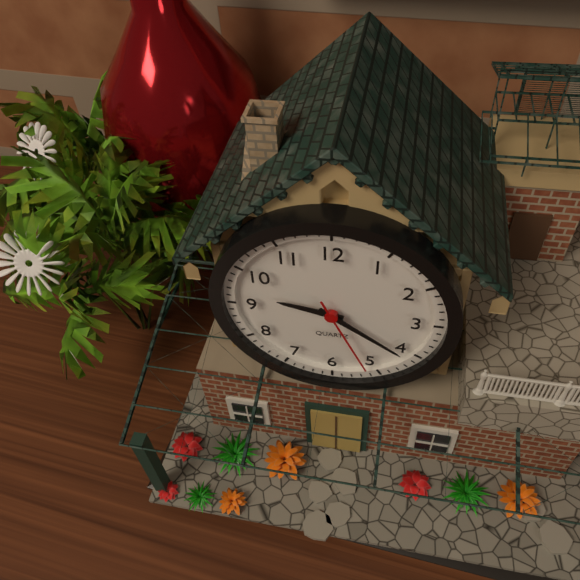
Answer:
h=9 m=21 s=26
